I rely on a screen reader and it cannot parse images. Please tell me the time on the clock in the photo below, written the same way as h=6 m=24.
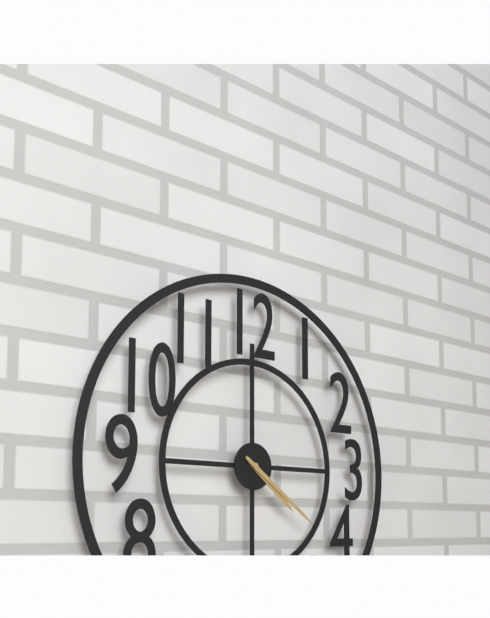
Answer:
h=4 m=21
